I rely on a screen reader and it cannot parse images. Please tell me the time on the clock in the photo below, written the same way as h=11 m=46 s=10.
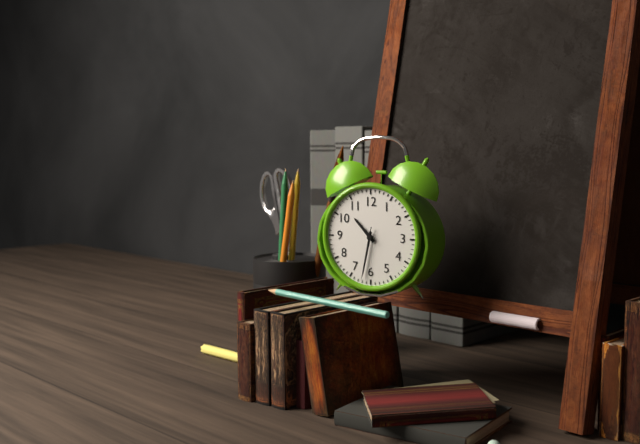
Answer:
h=10 m=32 s=32
